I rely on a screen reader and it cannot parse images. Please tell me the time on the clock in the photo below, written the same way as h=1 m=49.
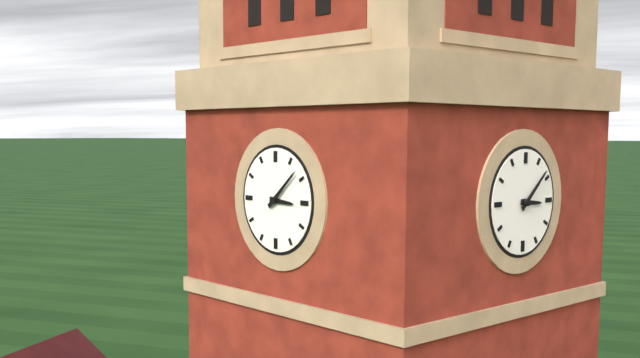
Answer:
h=3 m=8
